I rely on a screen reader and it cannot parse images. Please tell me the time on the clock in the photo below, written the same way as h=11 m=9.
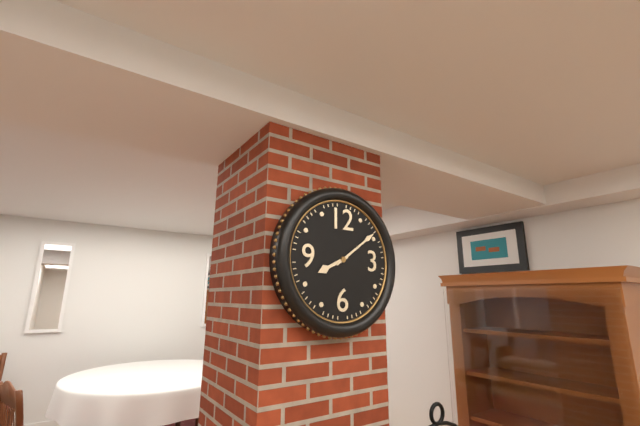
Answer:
h=8 m=9
